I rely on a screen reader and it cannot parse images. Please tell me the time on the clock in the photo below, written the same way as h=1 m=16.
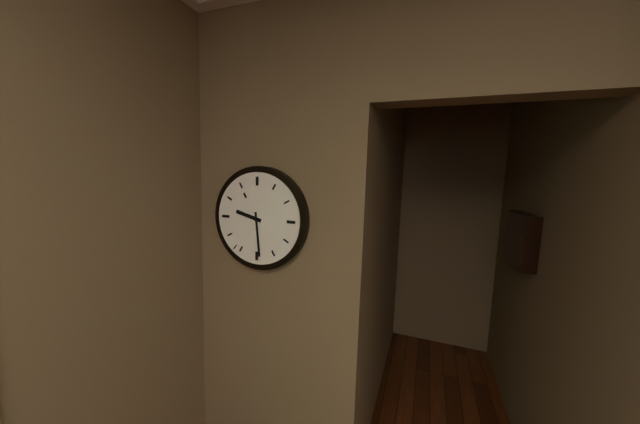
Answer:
h=9 m=29
